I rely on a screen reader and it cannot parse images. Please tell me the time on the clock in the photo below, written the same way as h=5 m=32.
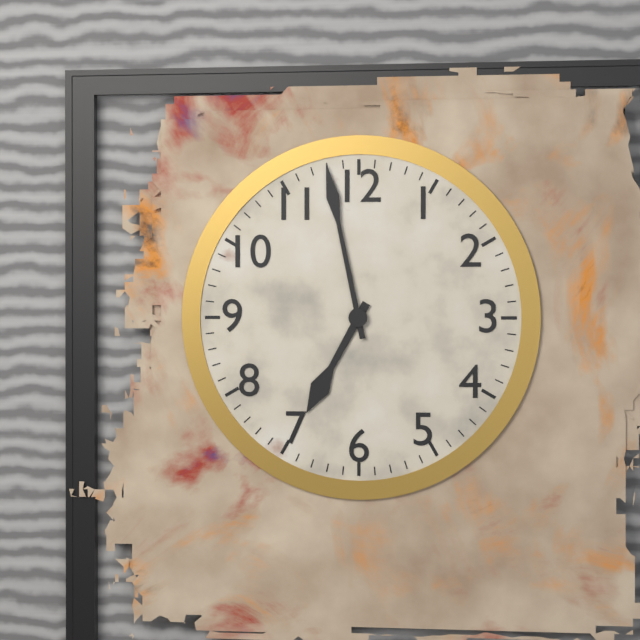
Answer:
h=6 m=58
